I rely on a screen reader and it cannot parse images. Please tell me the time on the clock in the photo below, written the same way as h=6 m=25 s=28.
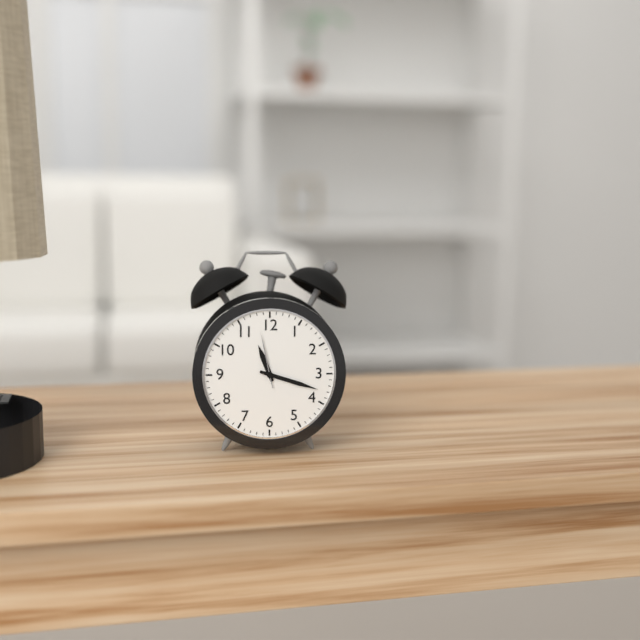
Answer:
h=11 m=18 s=58
